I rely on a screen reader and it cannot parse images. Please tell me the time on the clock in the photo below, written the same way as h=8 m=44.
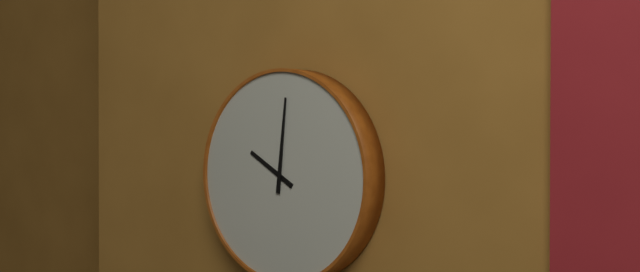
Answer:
h=10 m=1
